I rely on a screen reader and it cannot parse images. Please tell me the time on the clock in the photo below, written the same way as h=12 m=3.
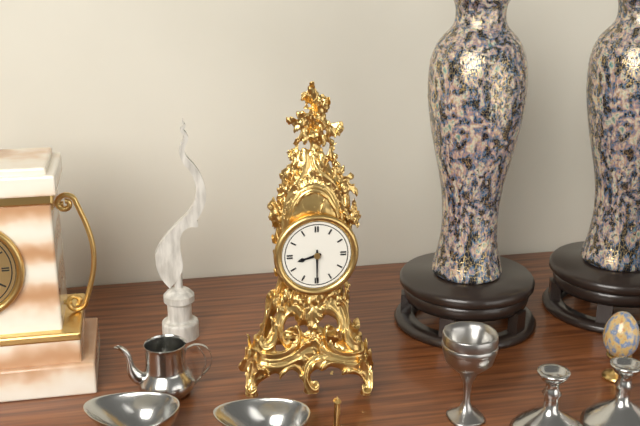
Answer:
h=8 m=30
